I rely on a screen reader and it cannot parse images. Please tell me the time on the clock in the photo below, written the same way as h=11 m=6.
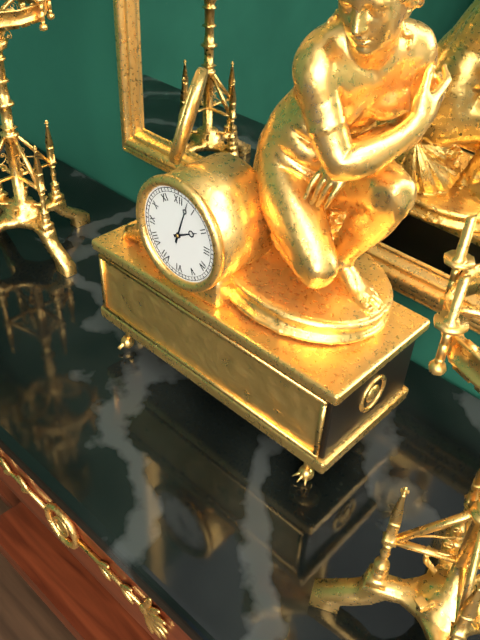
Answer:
h=2 m=3
